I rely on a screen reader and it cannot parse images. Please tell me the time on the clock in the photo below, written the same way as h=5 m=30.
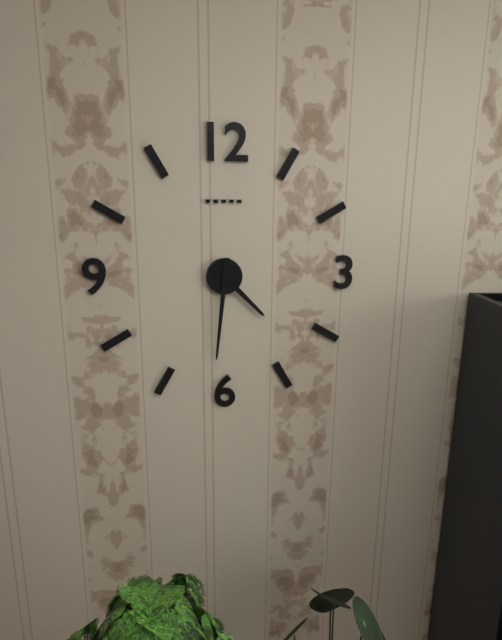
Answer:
h=4 m=31
